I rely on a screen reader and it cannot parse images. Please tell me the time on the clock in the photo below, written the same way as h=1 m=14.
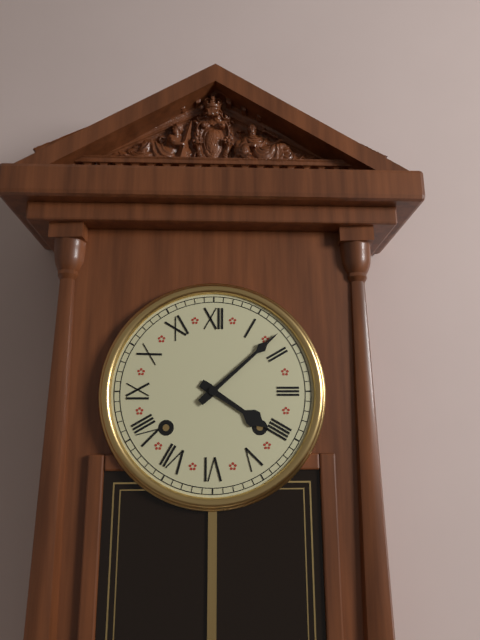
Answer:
h=4 m=8
